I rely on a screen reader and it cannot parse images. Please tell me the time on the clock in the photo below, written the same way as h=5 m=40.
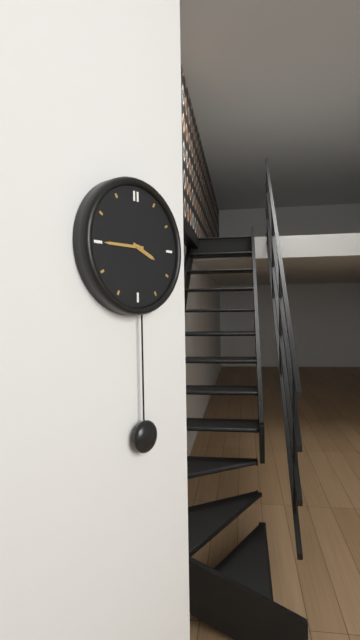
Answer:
h=3 m=45
